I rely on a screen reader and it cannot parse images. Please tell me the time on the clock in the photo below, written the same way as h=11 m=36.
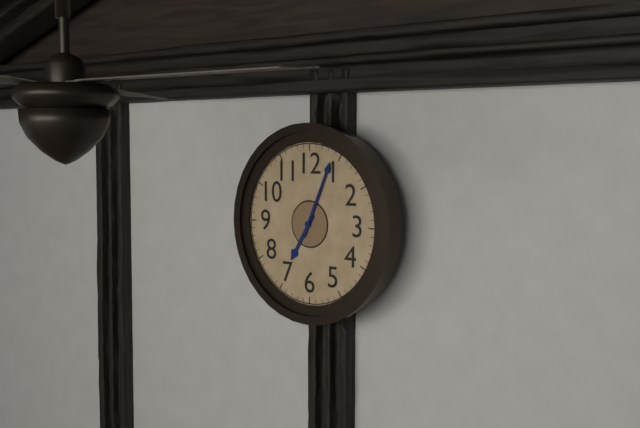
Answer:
h=7 m=4
